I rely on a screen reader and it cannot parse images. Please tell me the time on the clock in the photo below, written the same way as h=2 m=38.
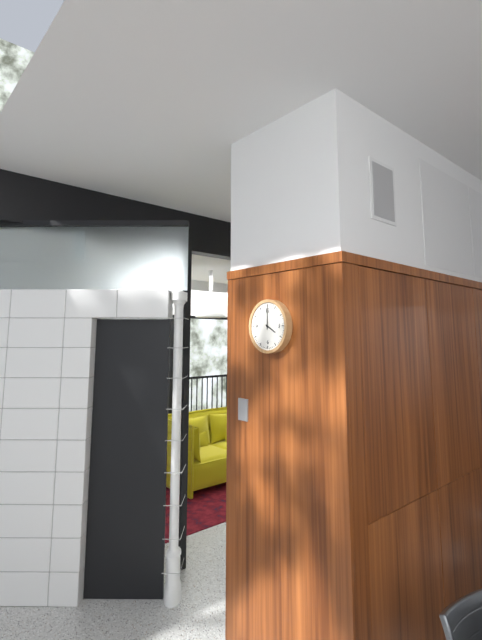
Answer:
h=4 m=0
